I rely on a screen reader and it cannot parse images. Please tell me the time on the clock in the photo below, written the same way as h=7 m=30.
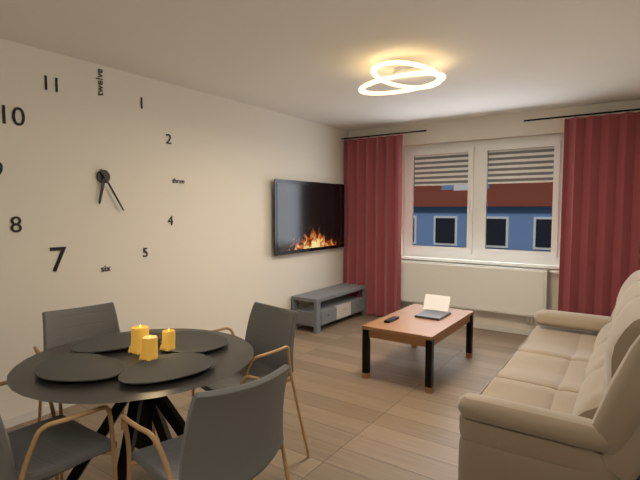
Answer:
h=6 m=25
